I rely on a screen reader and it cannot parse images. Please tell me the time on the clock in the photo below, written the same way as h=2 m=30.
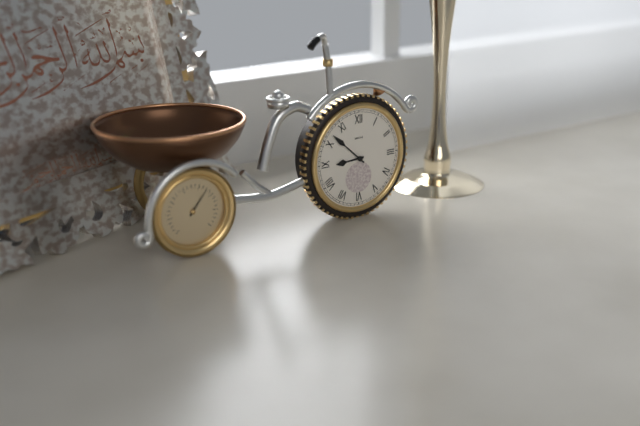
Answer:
h=8 m=52
